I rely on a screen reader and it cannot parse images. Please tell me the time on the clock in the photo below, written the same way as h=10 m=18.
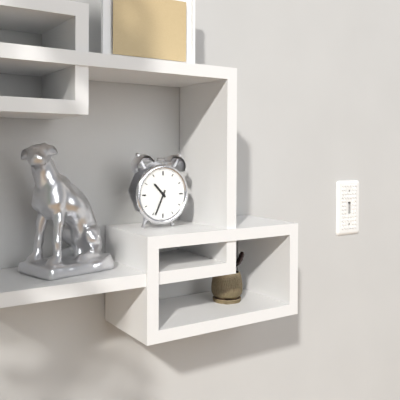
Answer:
h=10 m=34
